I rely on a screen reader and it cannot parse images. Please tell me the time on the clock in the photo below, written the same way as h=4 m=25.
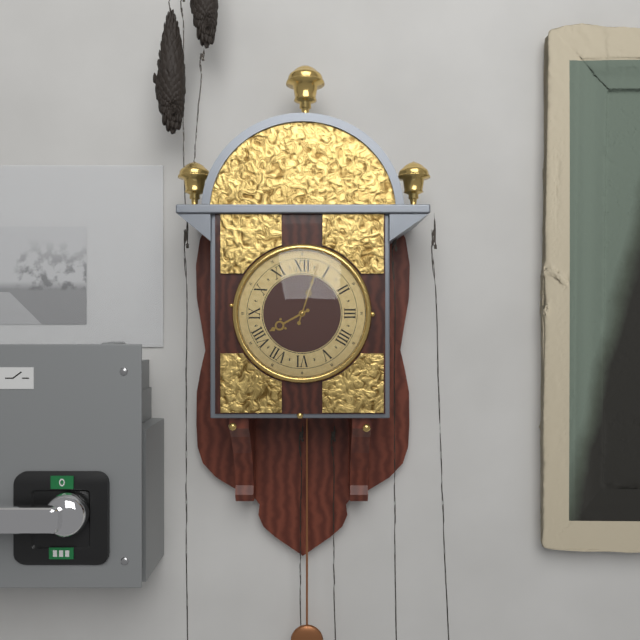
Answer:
h=8 m=3
